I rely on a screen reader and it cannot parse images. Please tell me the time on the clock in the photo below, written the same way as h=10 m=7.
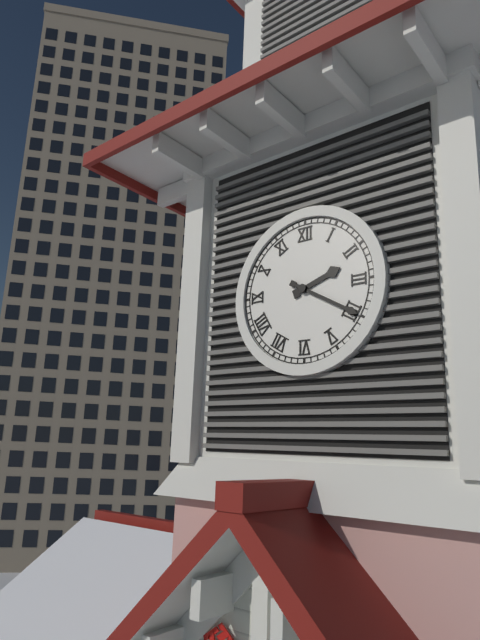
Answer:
h=2 m=20
